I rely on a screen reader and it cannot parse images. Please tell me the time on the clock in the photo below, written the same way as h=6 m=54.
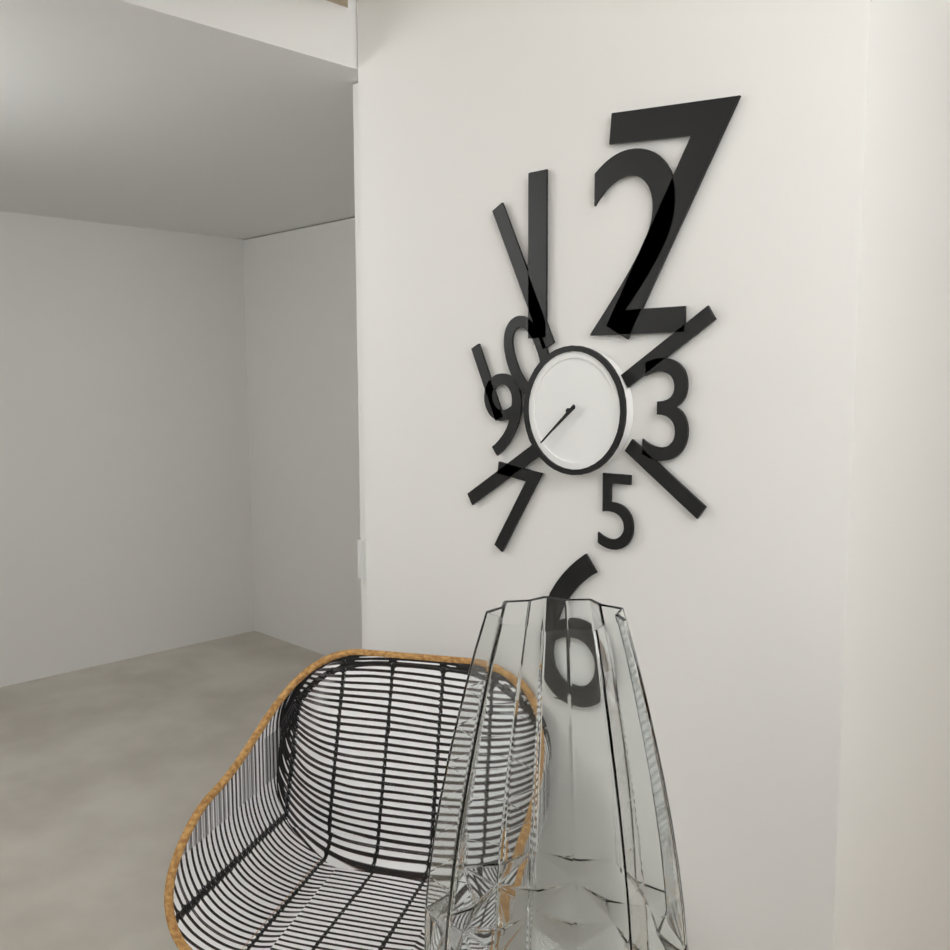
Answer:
h=7 m=38
